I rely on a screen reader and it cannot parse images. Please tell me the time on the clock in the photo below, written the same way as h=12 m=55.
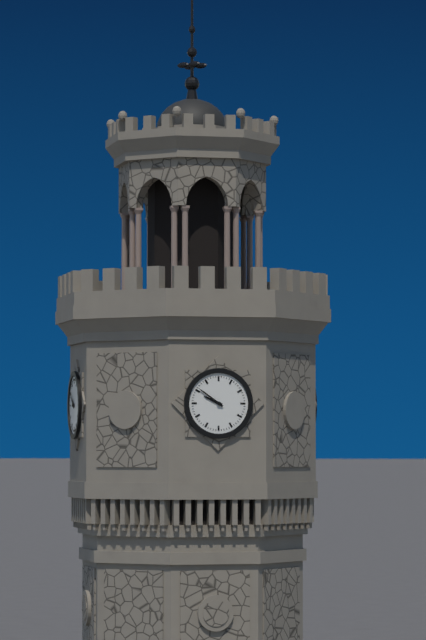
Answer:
h=9 m=51
